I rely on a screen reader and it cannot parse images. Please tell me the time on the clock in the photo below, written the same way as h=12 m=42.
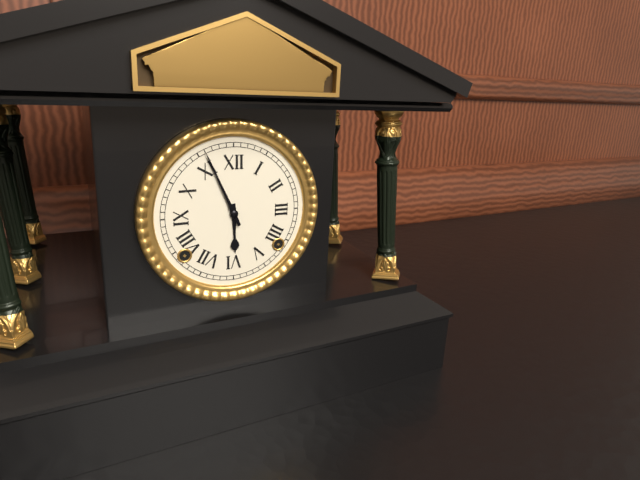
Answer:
h=5 m=56
